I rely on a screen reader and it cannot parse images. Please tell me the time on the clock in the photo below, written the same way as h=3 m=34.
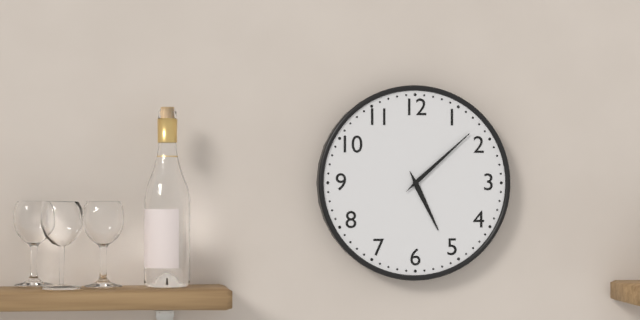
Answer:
h=5 m=8
